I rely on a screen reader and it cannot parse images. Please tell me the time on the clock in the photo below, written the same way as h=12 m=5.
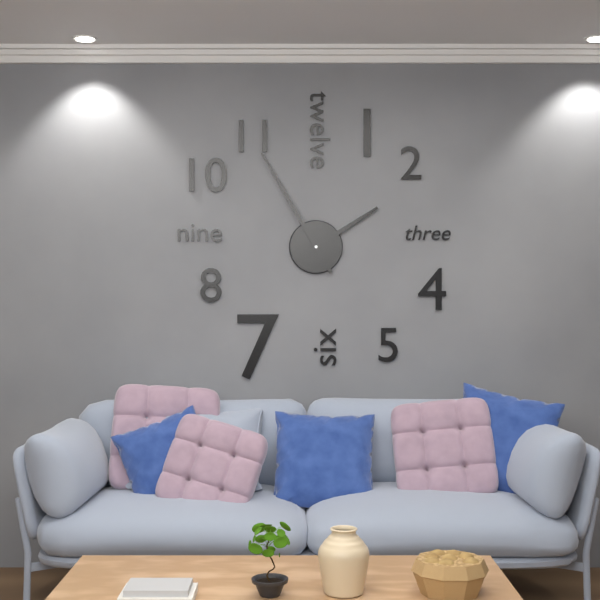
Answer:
h=1 m=55
